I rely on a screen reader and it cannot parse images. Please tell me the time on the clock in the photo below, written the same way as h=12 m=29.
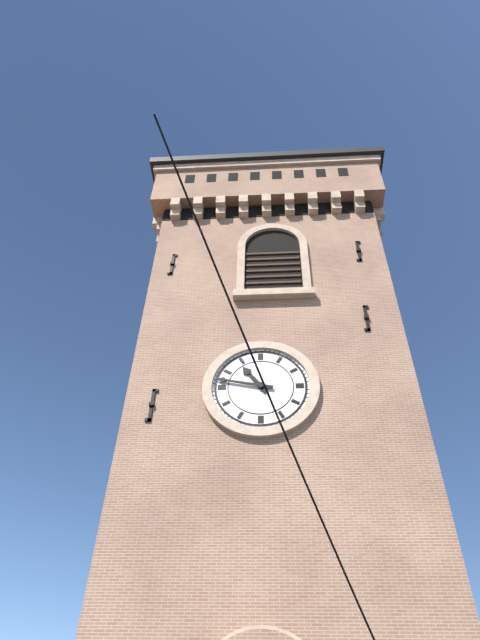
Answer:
h=10 m=47
